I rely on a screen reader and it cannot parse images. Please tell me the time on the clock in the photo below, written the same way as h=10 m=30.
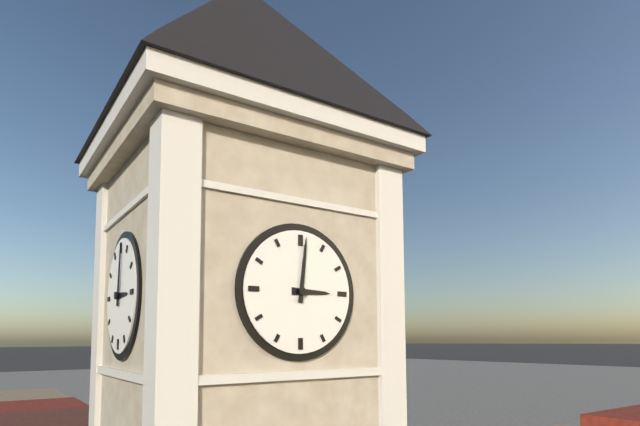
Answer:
h=3 m=1
